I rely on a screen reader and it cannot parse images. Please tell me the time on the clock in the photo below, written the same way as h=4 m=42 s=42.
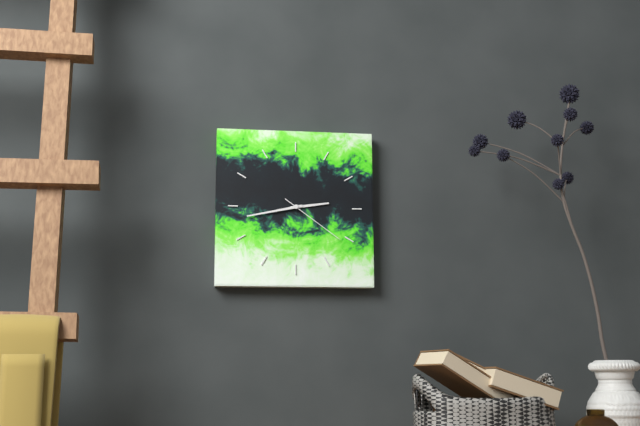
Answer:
h=2 m=43 s=21
